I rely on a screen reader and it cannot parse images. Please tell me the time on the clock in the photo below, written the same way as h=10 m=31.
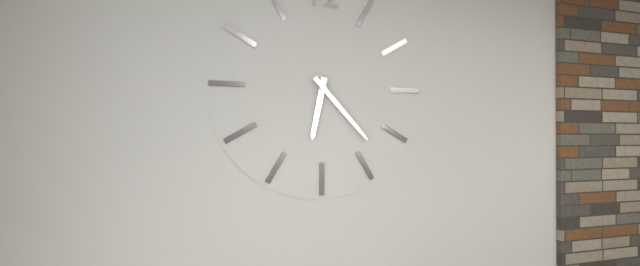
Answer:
h=6 m=23
